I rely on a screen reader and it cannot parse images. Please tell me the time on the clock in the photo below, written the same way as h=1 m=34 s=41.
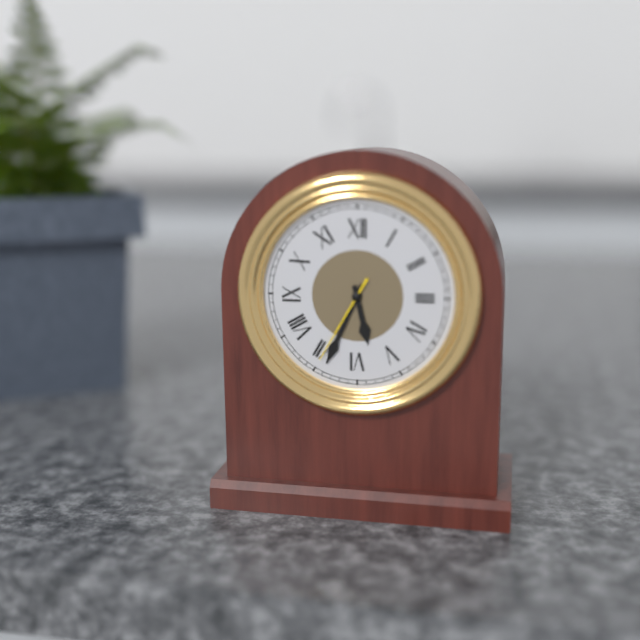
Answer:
h=5 m=34 s=35
